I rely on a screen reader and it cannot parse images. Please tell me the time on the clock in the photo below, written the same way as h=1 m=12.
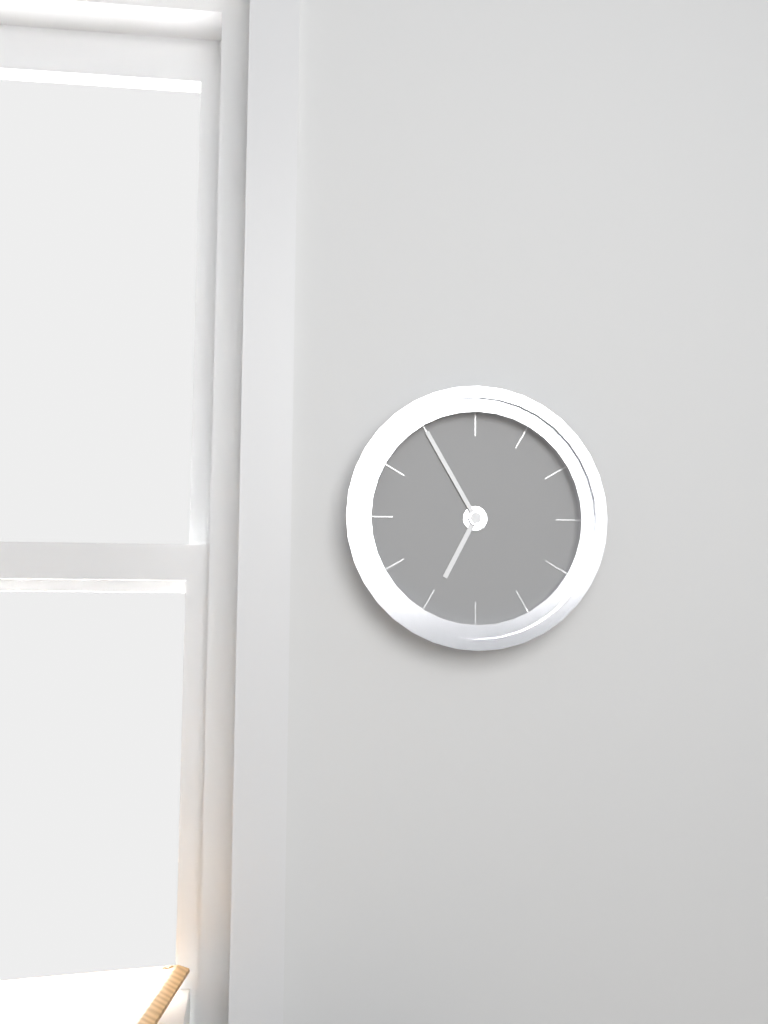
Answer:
h=6 m=55
